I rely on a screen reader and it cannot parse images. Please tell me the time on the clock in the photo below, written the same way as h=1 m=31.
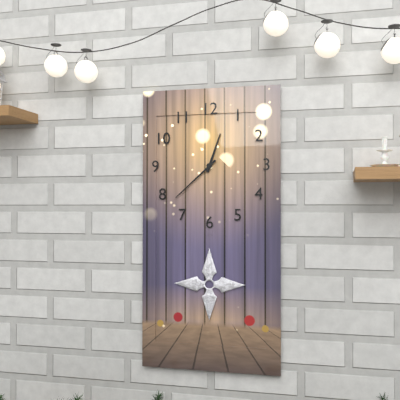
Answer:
h=12 m=38
